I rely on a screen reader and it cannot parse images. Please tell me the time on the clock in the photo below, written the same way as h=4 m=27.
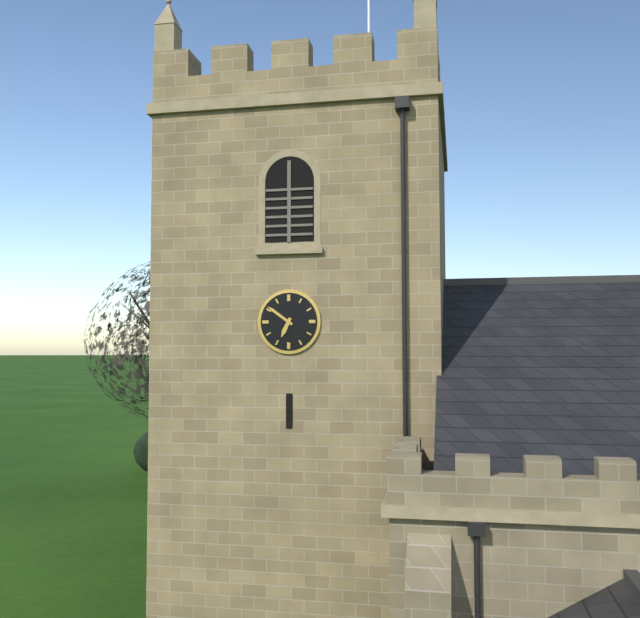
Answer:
h=6 m=51
